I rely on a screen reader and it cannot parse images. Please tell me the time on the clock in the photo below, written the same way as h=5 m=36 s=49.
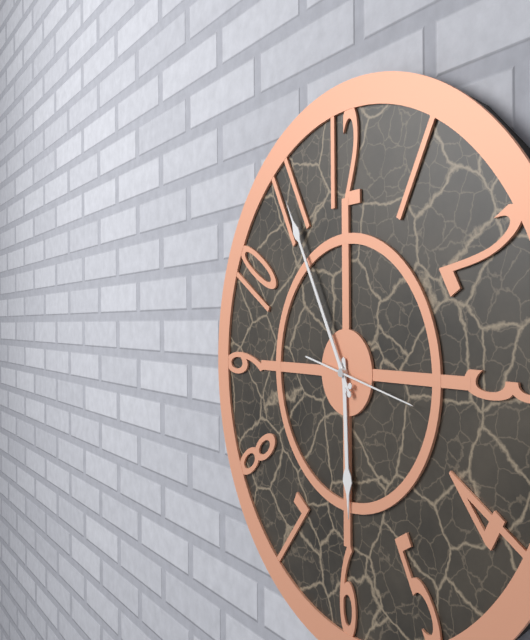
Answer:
h=5 m=55 s=17
